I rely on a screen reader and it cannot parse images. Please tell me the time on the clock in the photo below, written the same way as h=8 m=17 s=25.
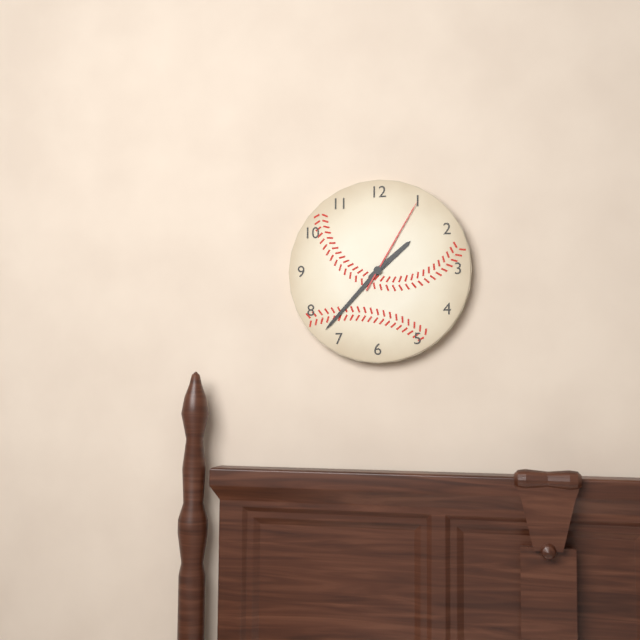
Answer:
h=1 m=37 s=5
